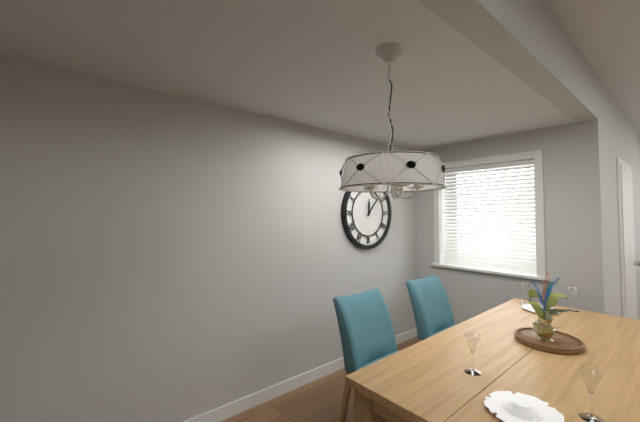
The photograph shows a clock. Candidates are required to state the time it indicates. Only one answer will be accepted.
12:07
